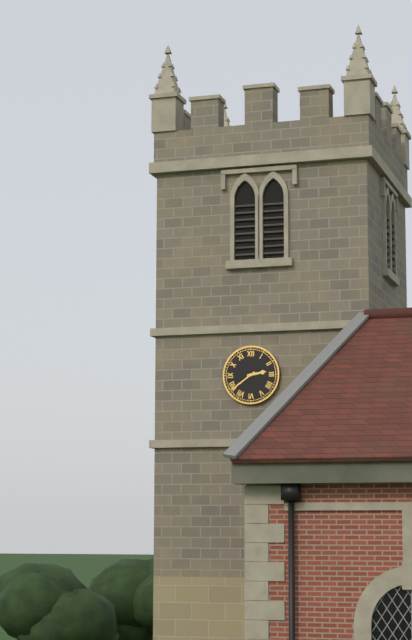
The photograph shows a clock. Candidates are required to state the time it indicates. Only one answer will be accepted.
2:39
